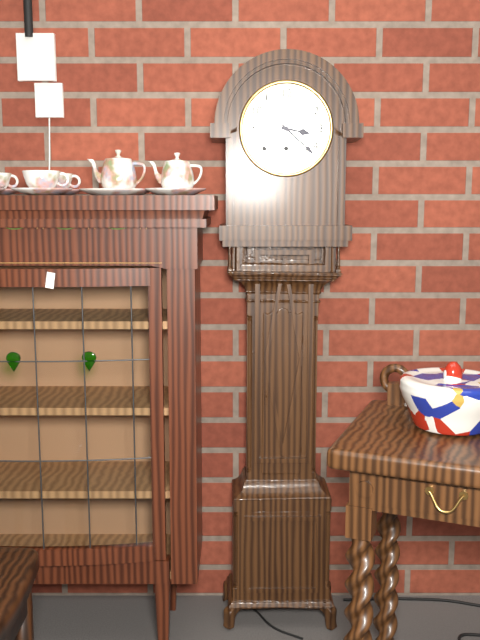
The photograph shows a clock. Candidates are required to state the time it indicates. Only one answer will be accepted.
3:22
